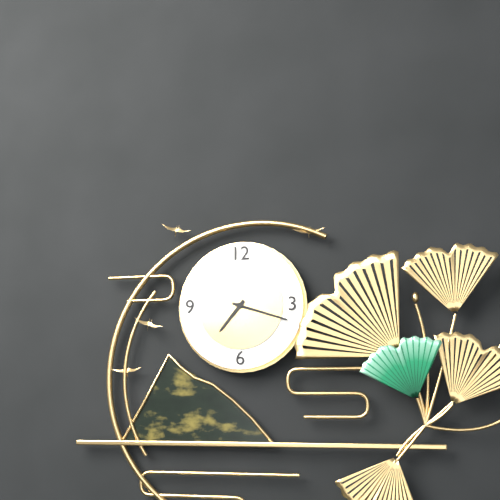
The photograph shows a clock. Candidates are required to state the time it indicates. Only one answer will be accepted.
7:18
